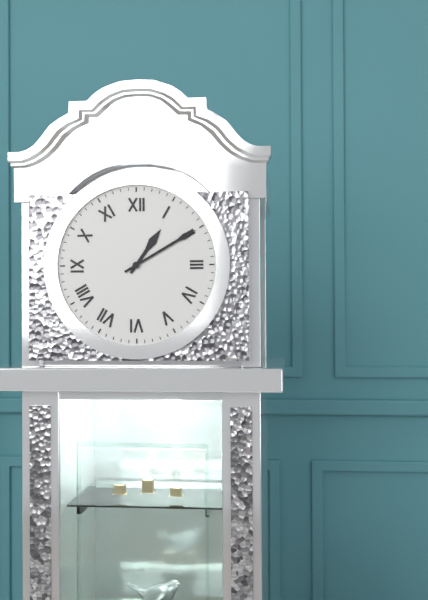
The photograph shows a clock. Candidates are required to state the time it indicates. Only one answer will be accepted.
1:10
